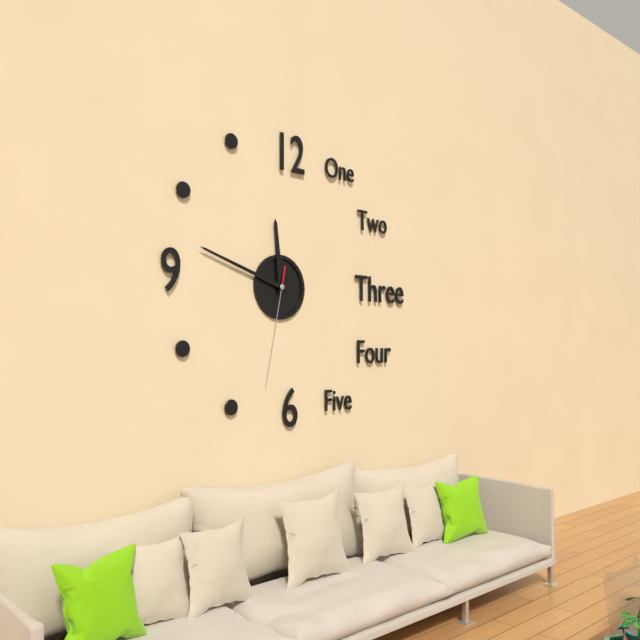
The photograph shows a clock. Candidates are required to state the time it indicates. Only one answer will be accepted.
11:48:32
